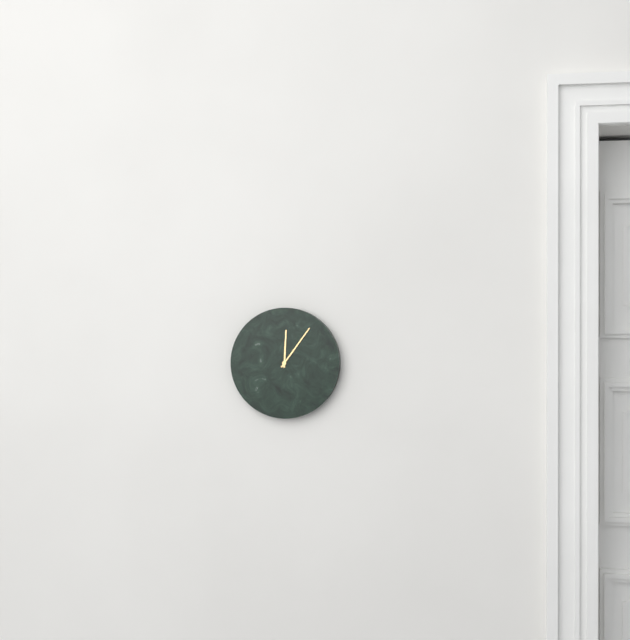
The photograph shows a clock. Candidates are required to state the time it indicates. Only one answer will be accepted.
12:06
